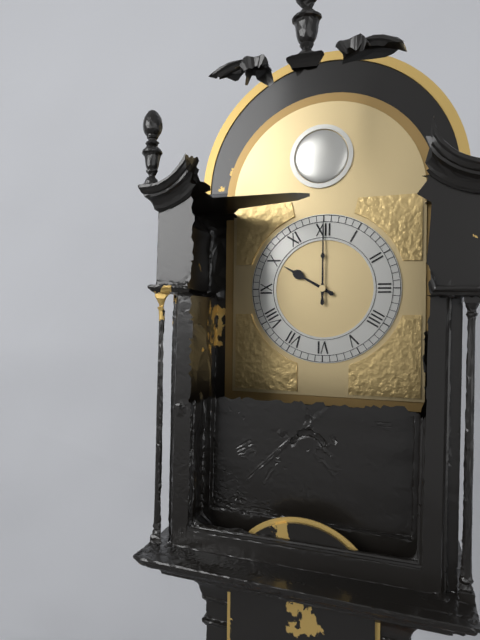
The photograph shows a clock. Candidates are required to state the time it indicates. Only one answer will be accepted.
10:00
